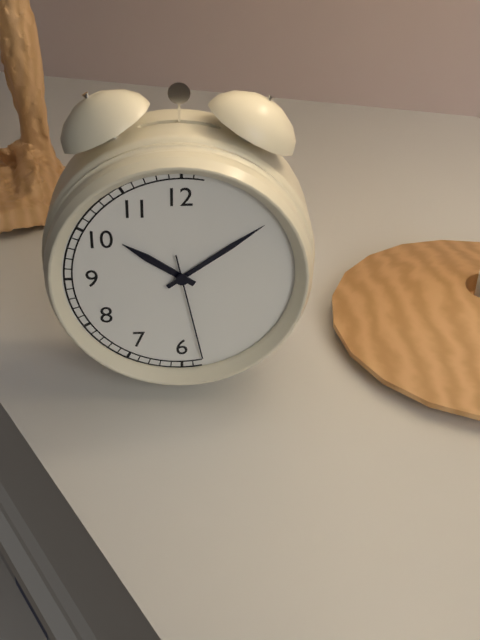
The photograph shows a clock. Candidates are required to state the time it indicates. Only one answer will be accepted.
10:09:28
